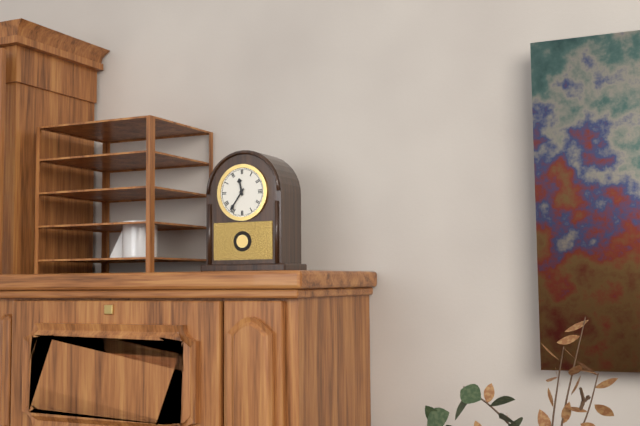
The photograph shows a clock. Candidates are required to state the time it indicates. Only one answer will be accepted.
11:36
